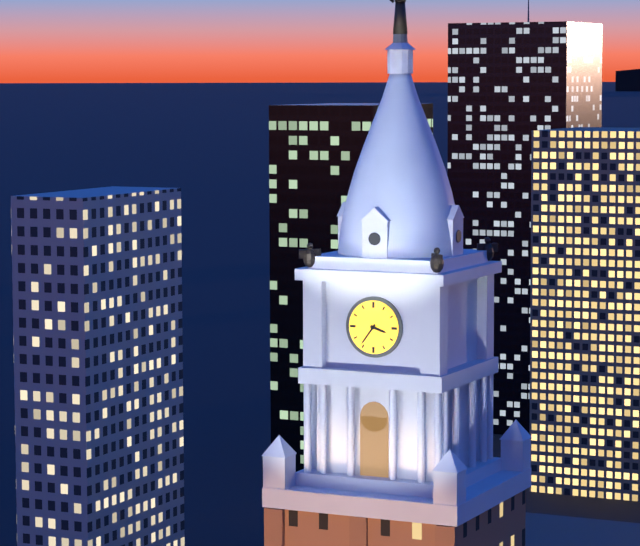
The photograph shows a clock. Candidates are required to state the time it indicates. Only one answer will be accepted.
3:36
